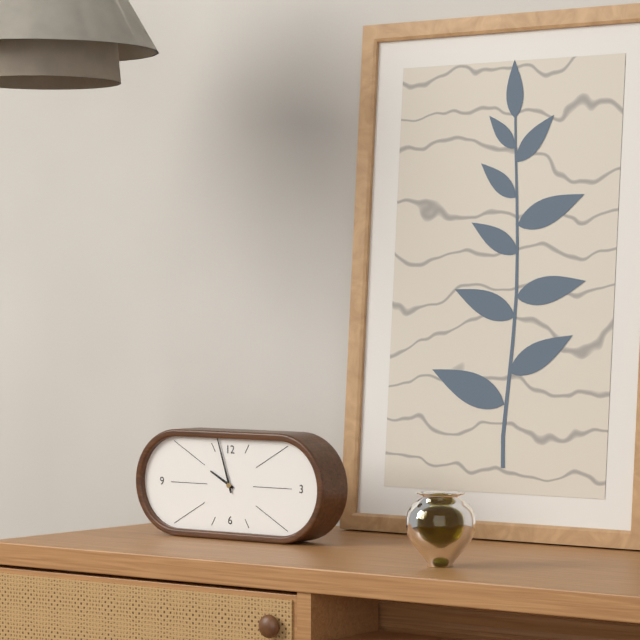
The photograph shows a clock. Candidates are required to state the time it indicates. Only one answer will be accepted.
9:57
